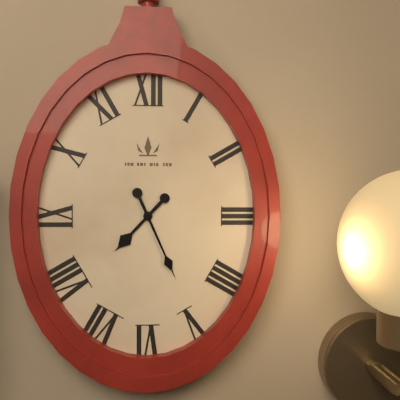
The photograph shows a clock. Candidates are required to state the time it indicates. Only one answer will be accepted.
7:26
